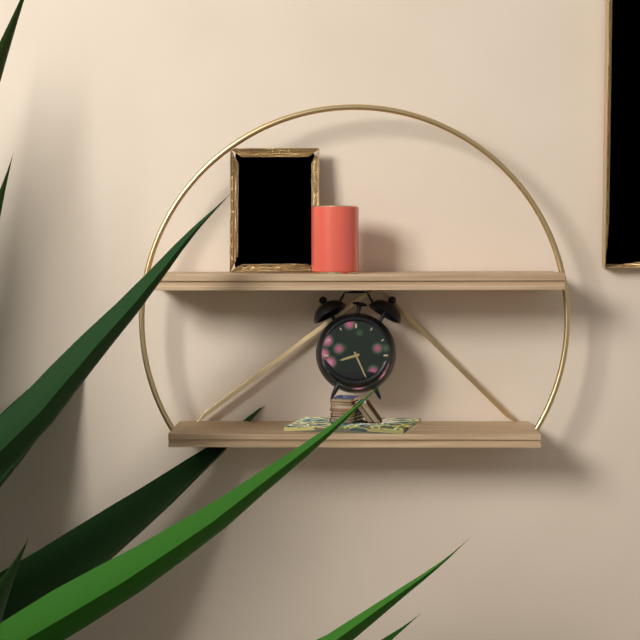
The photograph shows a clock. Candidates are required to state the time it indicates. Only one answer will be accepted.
8:26
